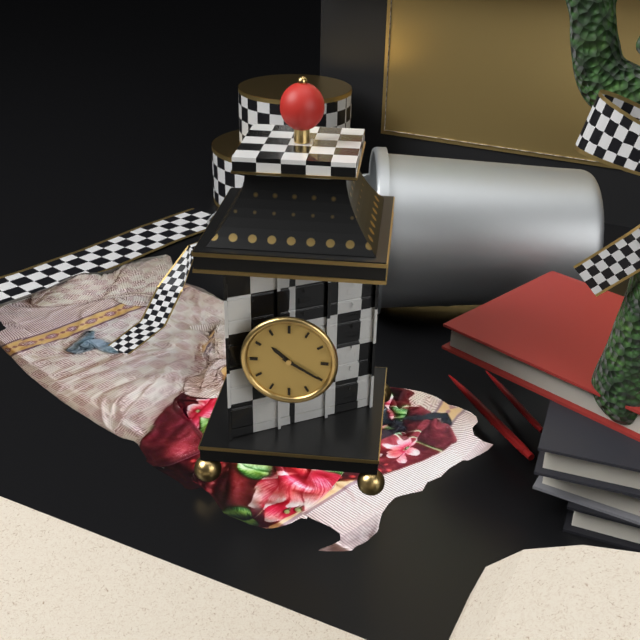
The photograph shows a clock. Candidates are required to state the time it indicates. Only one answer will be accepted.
10:20
